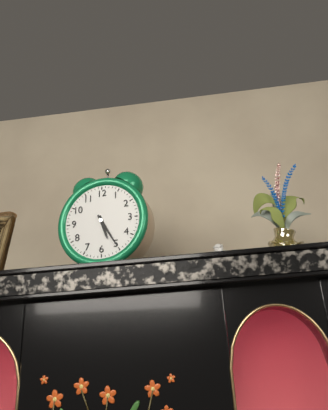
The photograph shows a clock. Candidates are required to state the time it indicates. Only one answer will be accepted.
5:25
